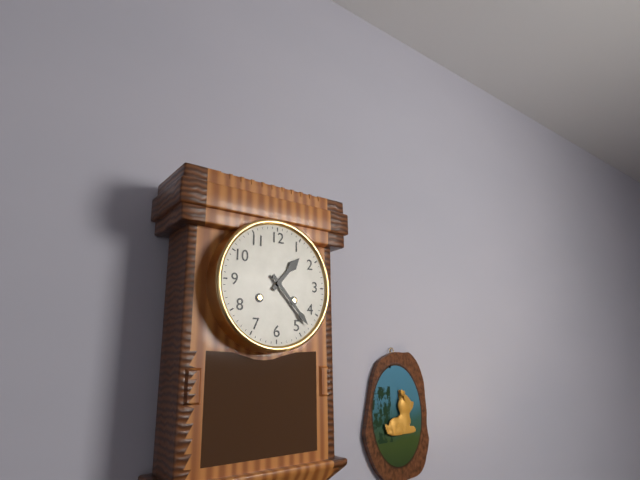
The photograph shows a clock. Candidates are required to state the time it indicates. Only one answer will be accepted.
1:23
